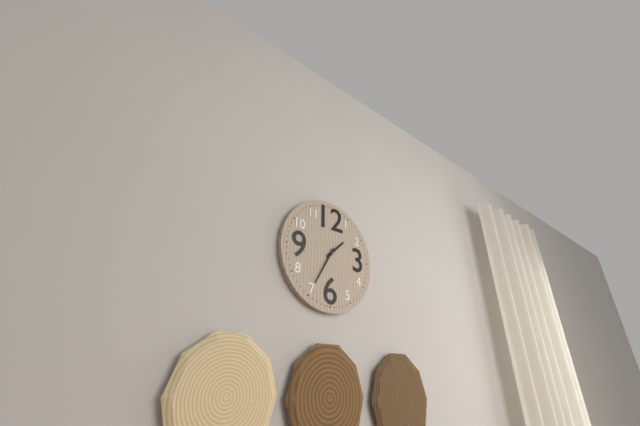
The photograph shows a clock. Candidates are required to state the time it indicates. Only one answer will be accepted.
1:35
